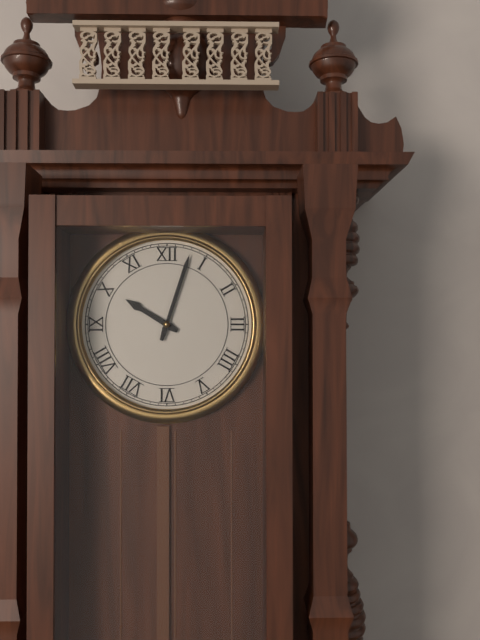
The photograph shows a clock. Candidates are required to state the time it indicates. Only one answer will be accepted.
10:03
